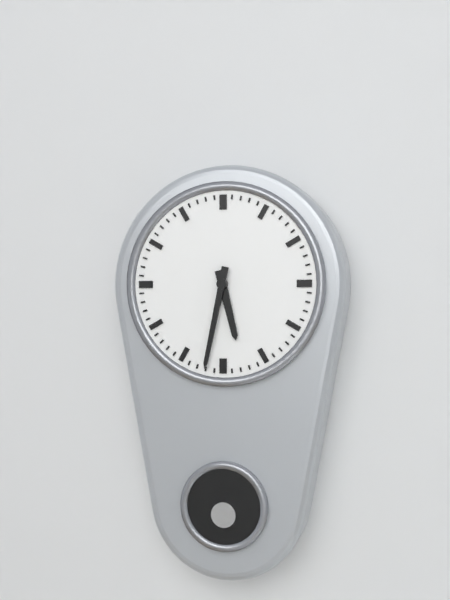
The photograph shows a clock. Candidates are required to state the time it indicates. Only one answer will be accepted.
5:32
